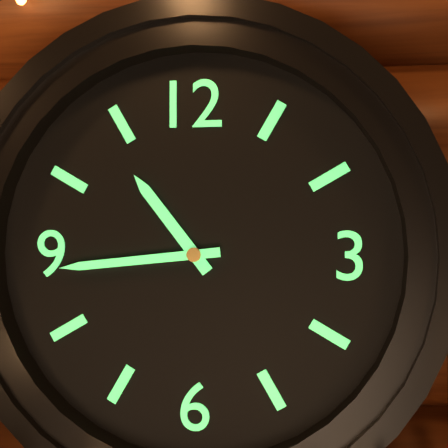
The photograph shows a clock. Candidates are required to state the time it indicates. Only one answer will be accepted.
10:44
